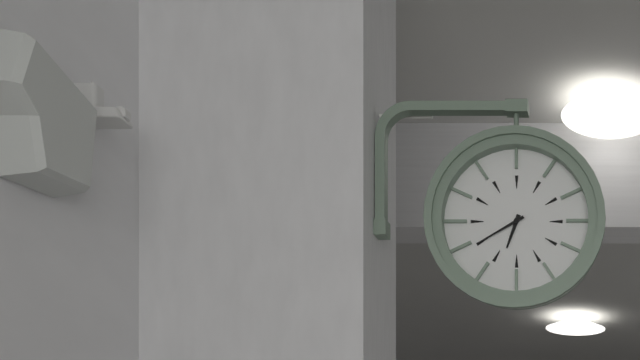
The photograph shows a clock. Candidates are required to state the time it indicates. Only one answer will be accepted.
6:40
